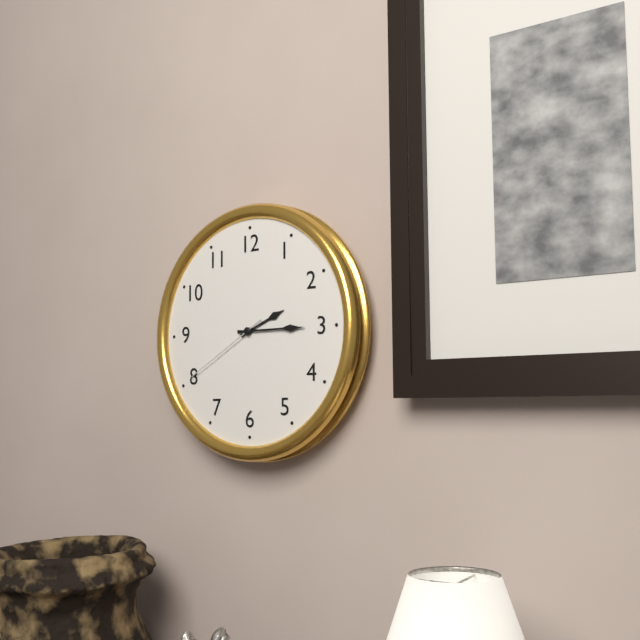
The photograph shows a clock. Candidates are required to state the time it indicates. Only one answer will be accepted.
2:15:40
